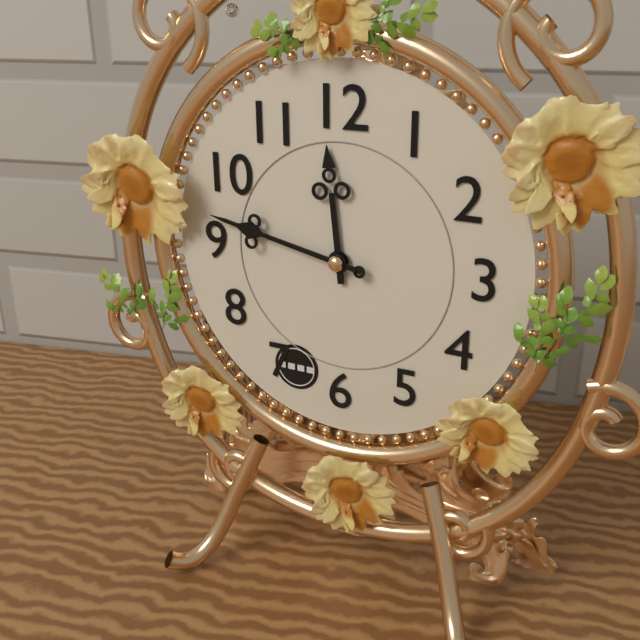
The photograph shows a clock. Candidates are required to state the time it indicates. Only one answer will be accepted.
11:47
